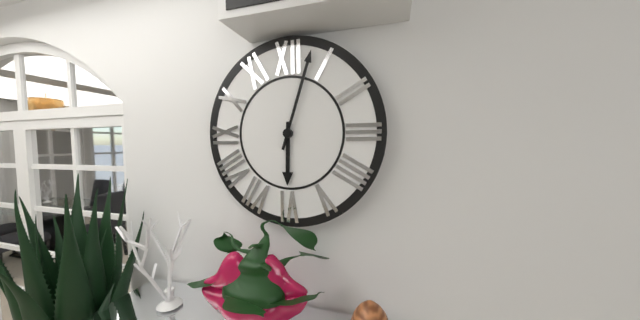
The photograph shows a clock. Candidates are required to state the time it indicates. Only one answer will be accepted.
6:03
